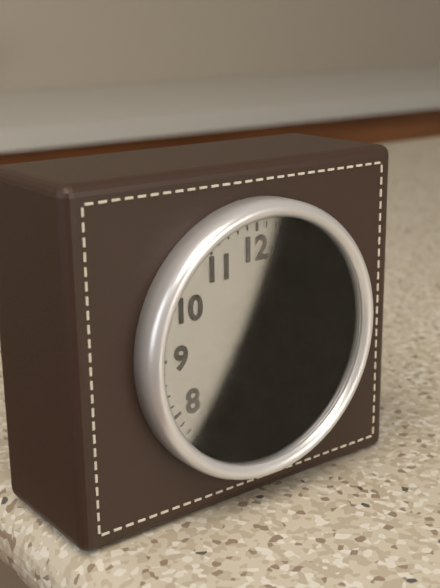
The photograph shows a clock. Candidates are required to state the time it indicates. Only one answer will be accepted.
4:32
